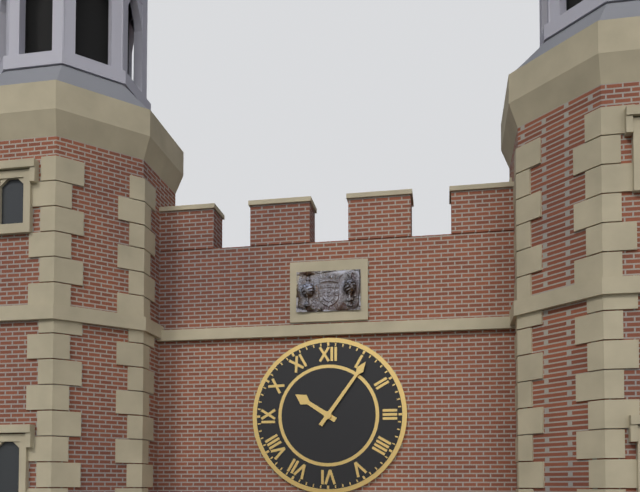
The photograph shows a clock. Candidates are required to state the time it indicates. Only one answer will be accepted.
10:06
